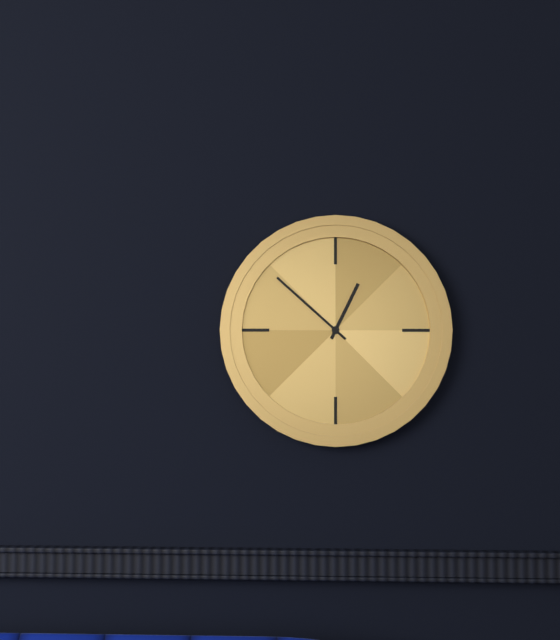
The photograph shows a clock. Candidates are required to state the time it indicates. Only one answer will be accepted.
12:52
